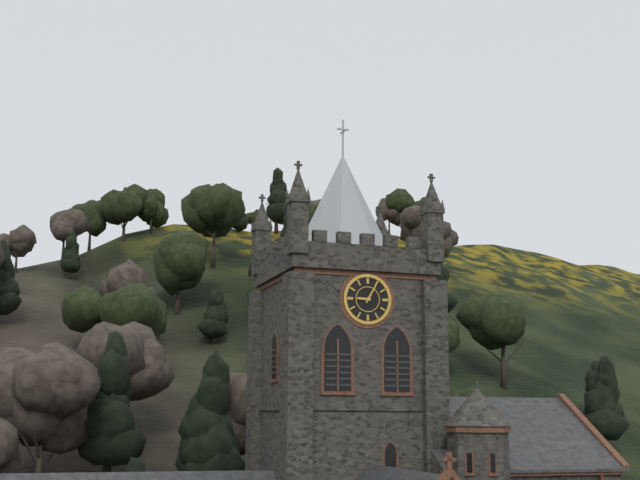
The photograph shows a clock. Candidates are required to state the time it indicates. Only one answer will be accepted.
9:05
